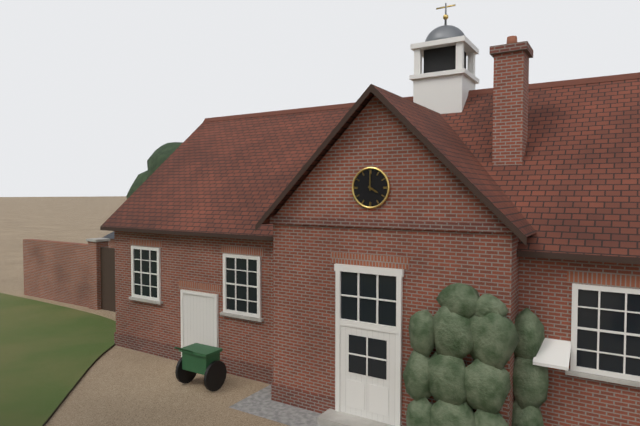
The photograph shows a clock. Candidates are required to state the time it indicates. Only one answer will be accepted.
4:00
